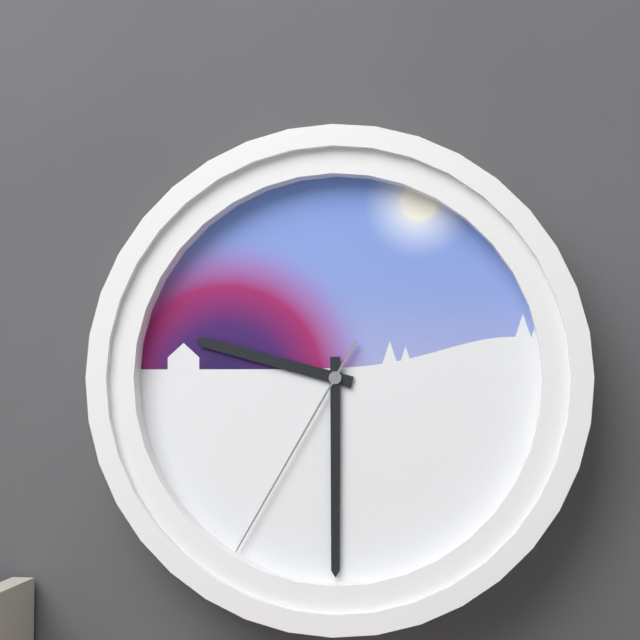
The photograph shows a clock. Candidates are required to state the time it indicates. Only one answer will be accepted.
9:30:35
